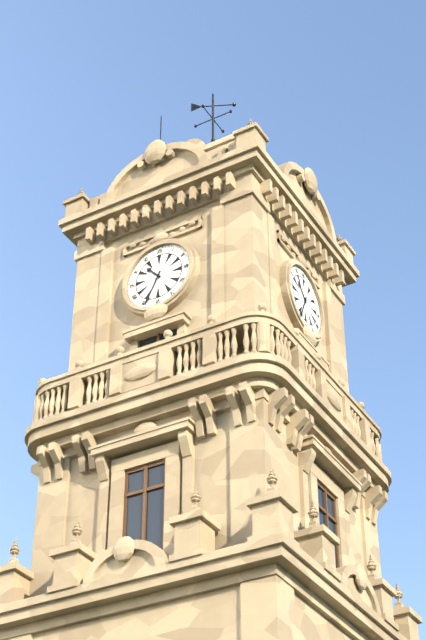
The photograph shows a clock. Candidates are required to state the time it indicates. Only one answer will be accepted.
10:34
